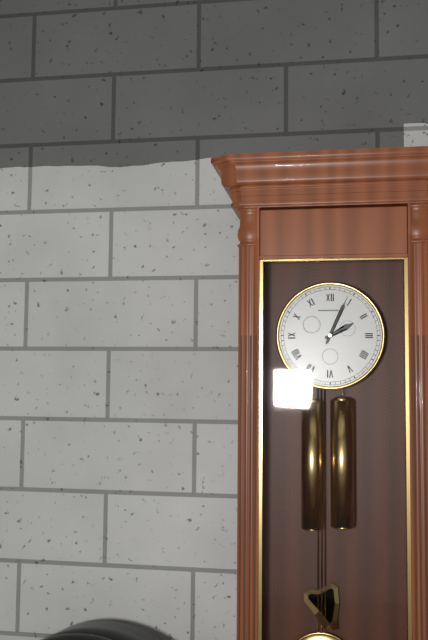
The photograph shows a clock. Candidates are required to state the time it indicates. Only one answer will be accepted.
2:04
